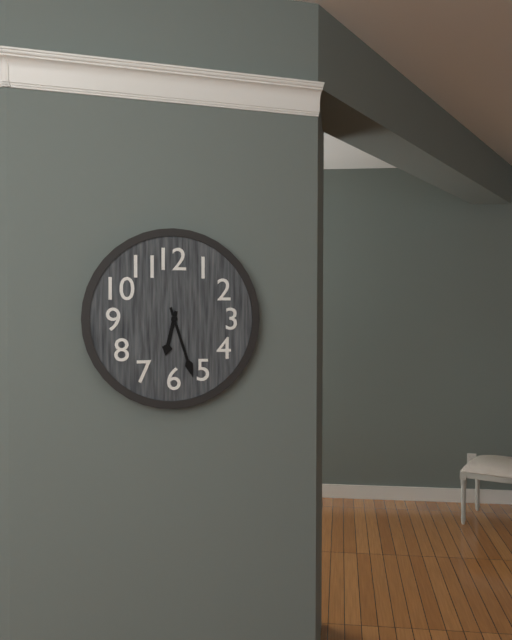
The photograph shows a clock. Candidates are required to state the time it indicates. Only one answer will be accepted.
6:27
